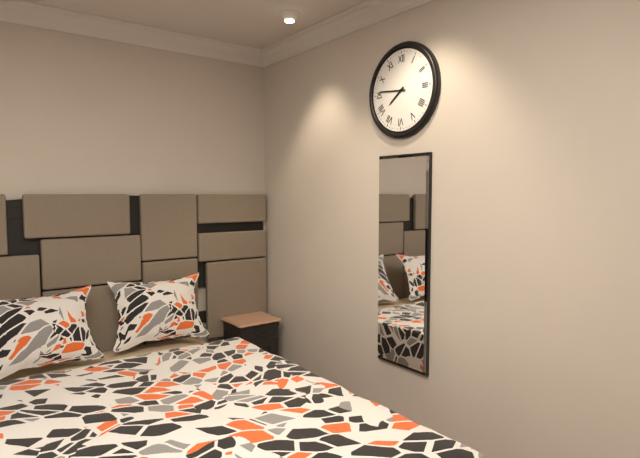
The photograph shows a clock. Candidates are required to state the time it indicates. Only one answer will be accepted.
7:46
